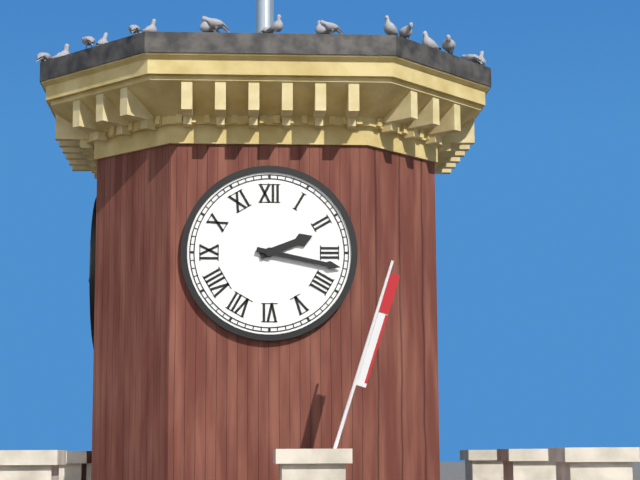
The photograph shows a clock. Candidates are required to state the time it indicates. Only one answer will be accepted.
2:17
